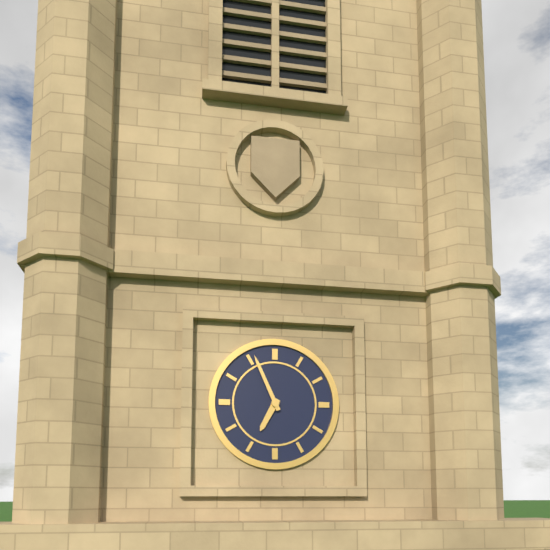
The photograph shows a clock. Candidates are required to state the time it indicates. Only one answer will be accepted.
6:56
